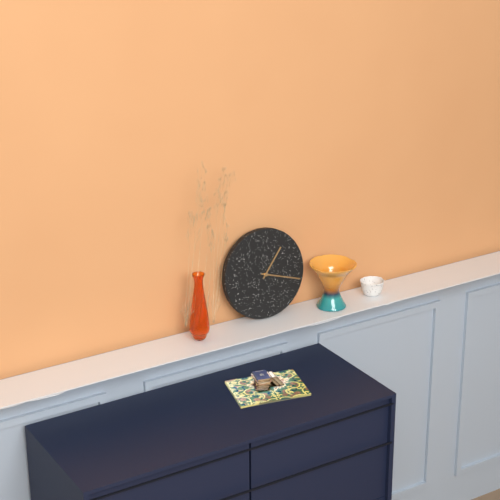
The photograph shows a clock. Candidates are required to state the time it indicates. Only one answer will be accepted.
1:18
